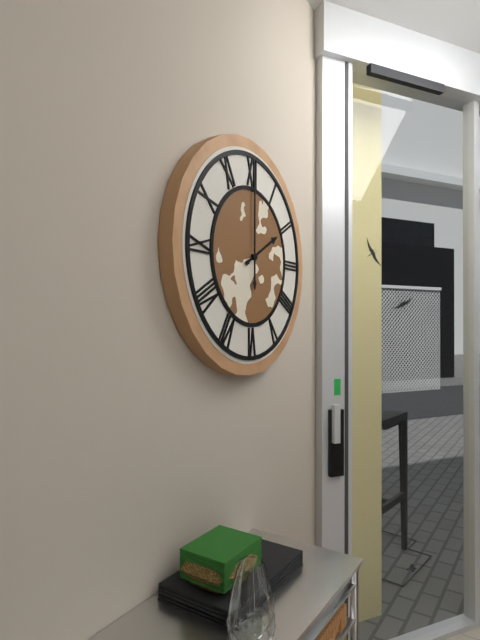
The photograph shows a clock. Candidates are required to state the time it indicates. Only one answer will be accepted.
2:00
